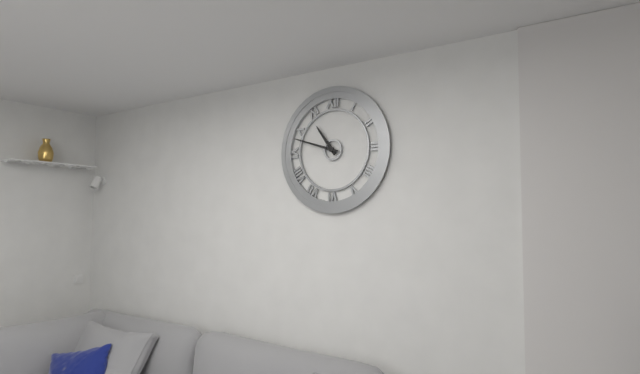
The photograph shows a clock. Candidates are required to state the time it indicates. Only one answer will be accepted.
10:48
